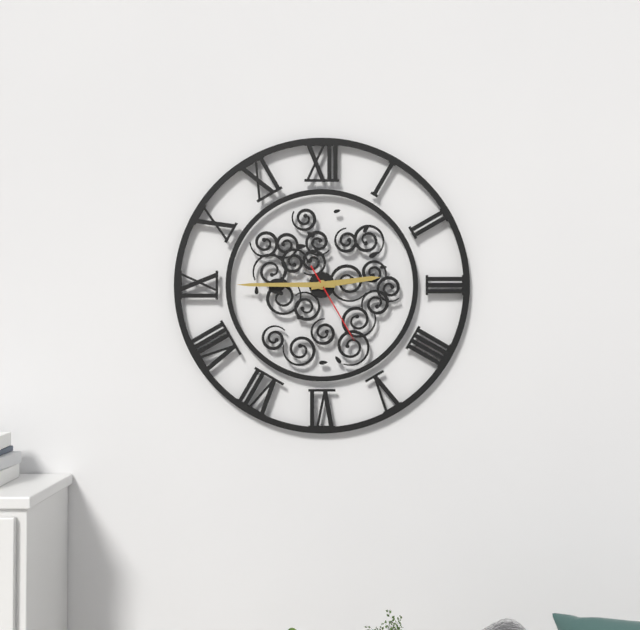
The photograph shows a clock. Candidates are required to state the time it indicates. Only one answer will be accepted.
2:45:25
